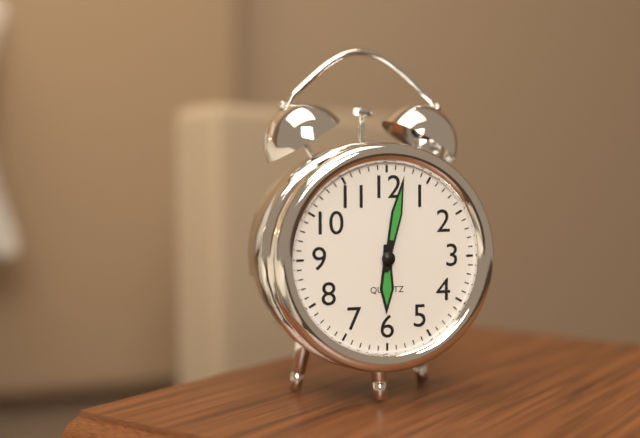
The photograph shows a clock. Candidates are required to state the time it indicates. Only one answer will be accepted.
6:02
